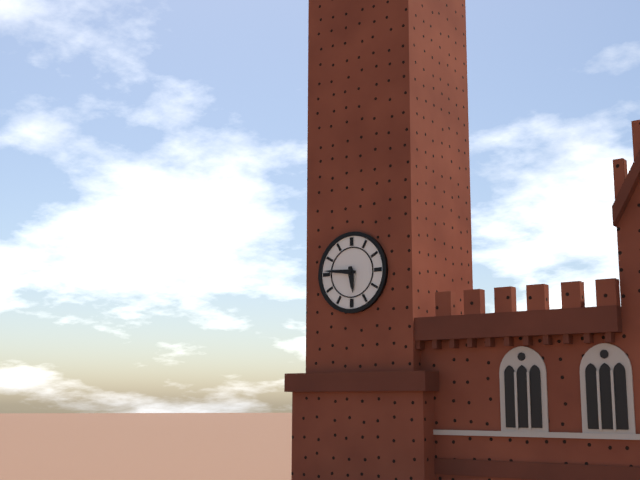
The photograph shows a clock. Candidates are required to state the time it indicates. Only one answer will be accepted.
5:46
